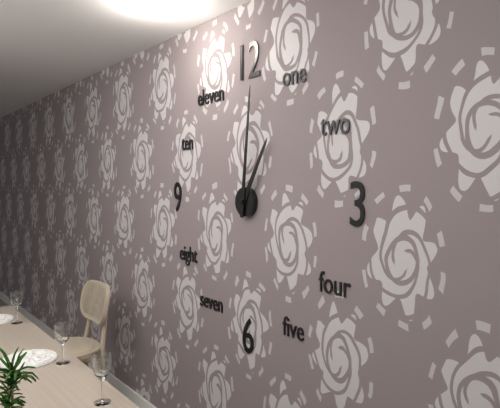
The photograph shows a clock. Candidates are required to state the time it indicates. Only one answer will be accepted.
1:01
